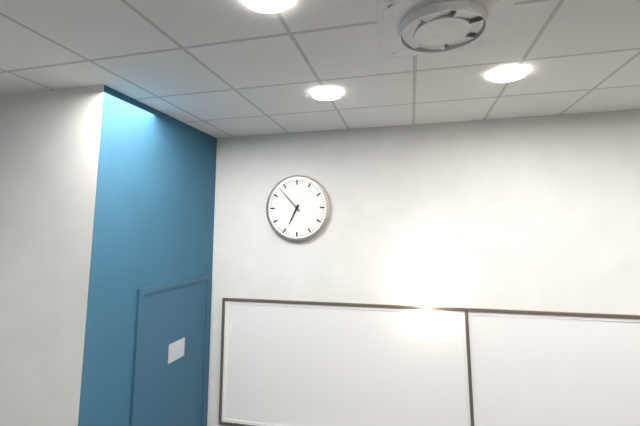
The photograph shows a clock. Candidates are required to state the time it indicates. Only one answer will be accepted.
6:53
